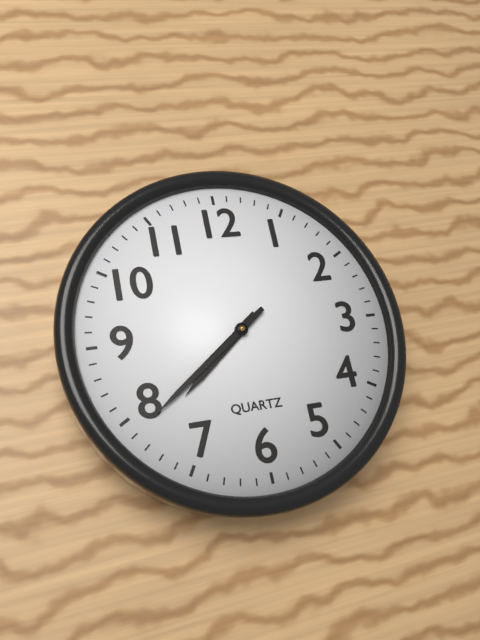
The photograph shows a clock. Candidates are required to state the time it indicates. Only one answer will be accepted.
7:39
